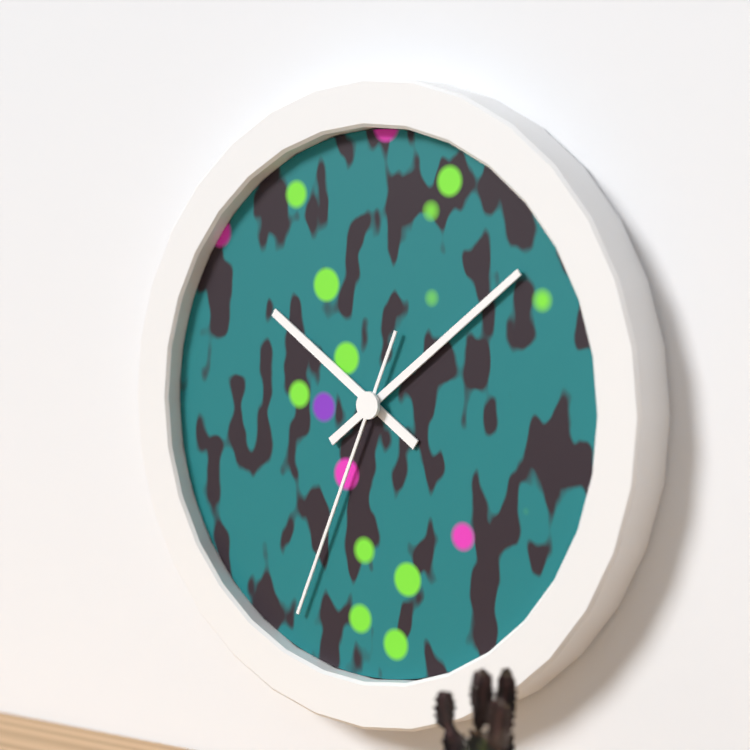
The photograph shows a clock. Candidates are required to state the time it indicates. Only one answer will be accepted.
10:09:34
